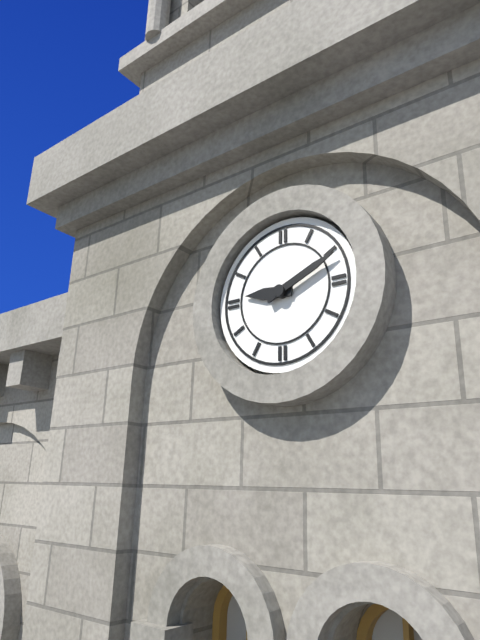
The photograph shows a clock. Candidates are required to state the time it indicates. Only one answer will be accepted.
9:11
